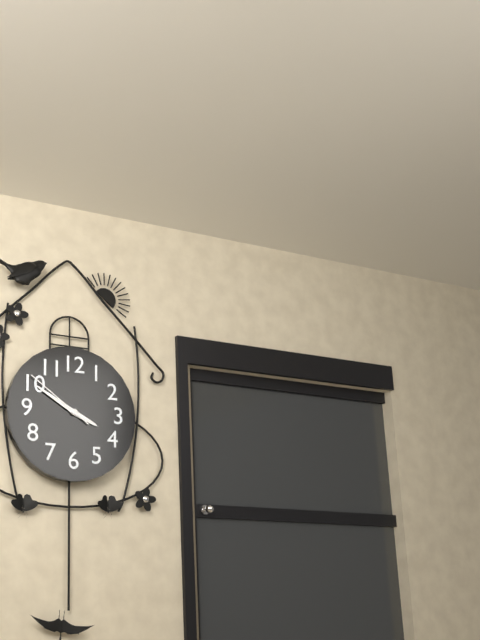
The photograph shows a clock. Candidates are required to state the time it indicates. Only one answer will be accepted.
3:50:51
